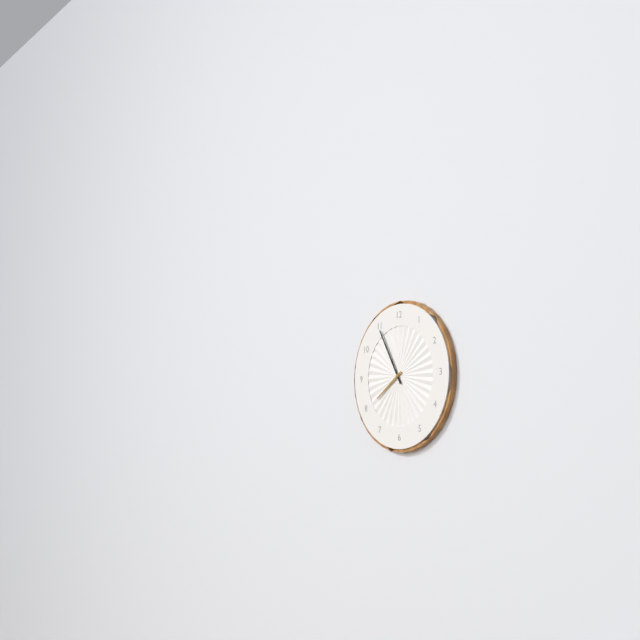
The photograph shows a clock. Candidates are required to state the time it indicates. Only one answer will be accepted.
7:55
